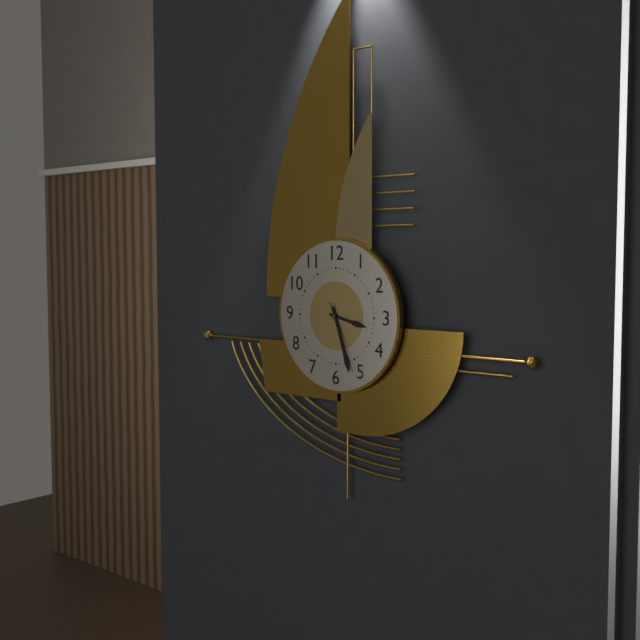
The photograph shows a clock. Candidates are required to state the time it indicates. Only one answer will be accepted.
3:27:26
